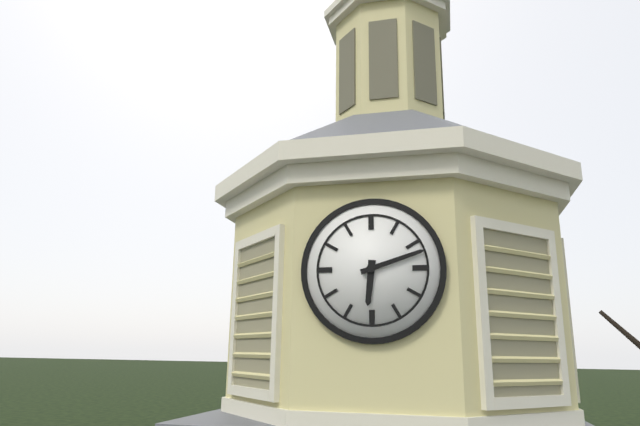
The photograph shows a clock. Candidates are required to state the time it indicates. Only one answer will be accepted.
6:12
